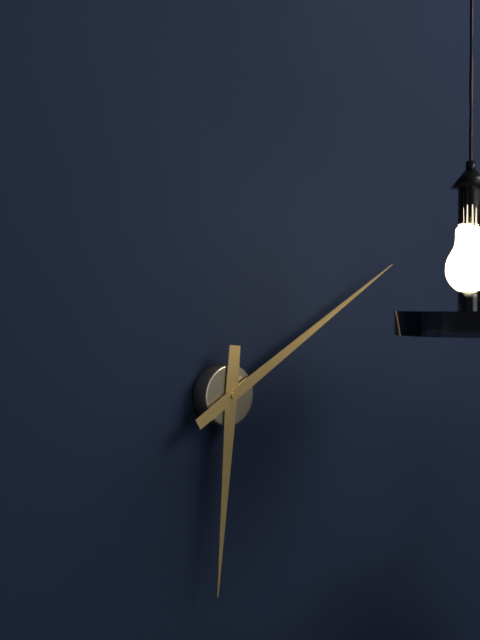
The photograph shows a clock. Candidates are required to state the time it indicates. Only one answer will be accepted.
6:10
